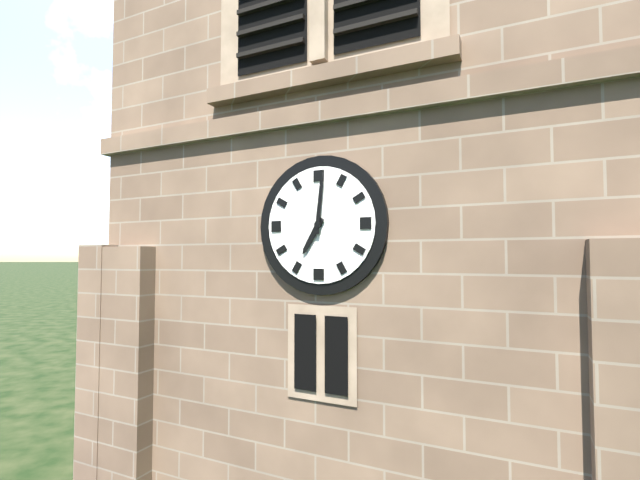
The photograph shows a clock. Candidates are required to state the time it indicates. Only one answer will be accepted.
7:01
